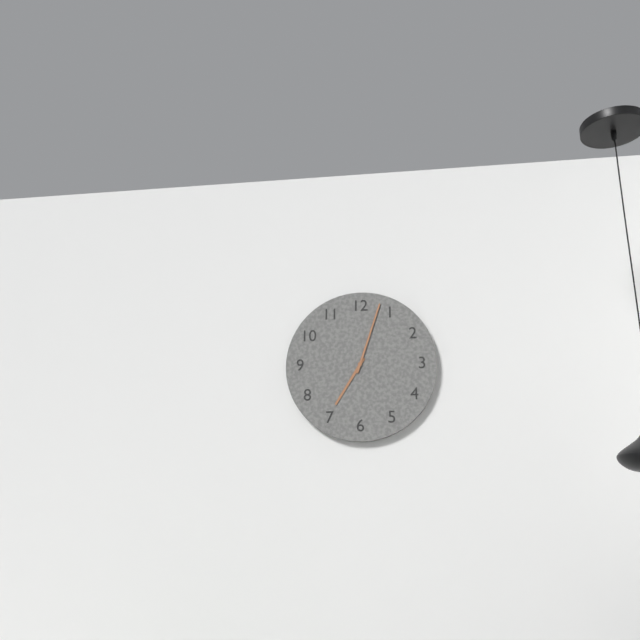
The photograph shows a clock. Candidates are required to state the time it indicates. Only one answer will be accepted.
7:03
